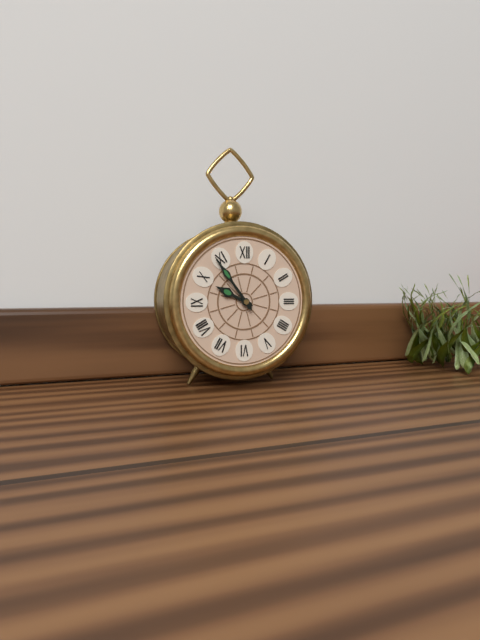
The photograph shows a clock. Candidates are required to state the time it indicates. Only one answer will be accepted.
9:54
